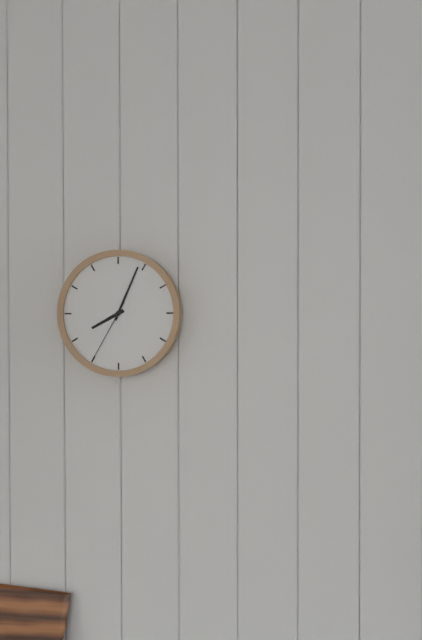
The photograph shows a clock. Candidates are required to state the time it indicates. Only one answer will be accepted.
8:04:35
